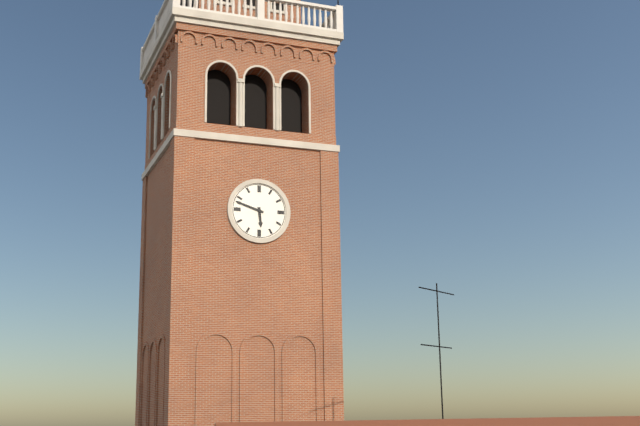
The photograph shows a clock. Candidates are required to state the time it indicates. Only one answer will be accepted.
5:48
